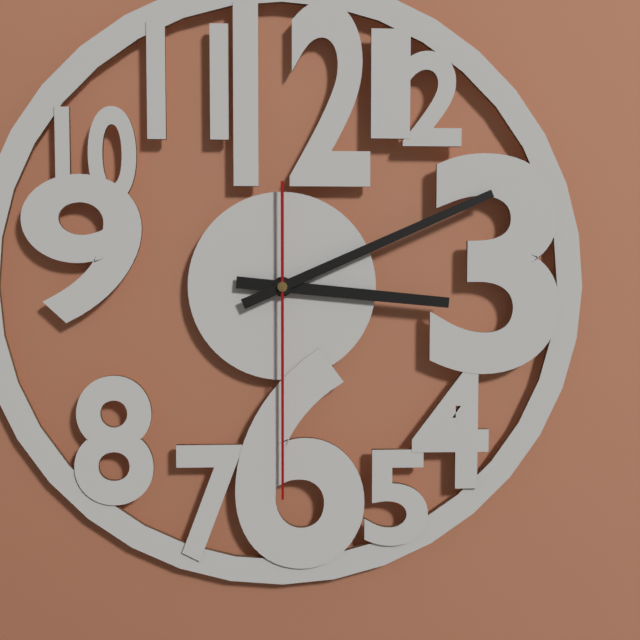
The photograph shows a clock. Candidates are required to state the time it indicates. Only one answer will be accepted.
3:11:30
